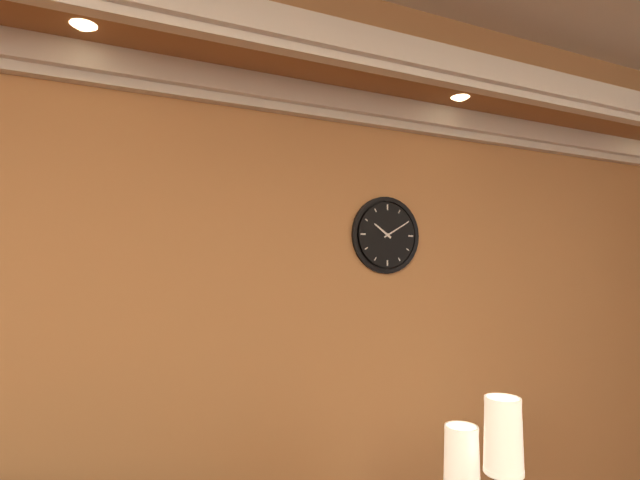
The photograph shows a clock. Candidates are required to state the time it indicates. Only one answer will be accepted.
10:10
